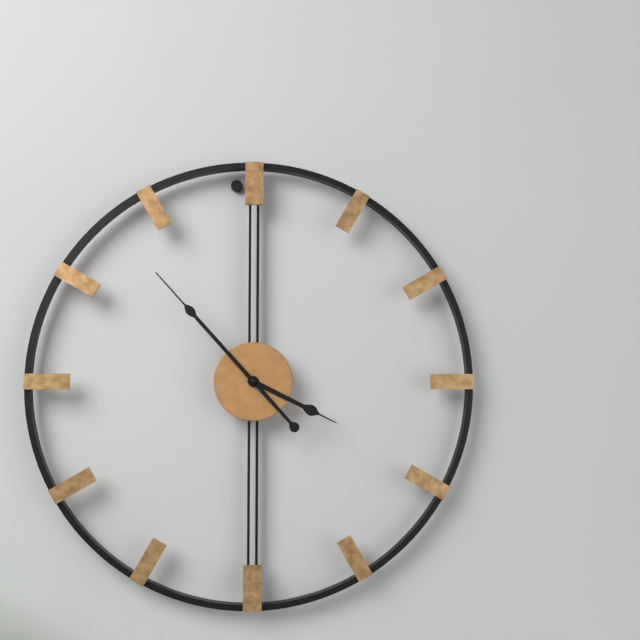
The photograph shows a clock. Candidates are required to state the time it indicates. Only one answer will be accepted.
3:53
